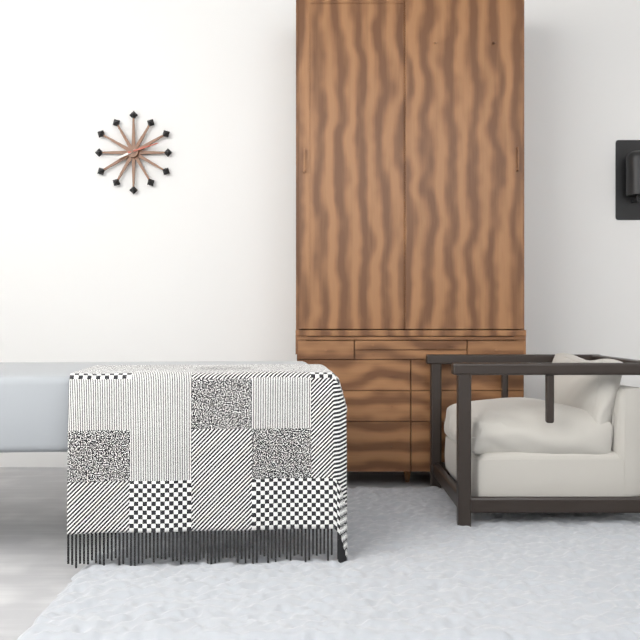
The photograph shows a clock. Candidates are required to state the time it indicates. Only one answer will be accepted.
8:12
